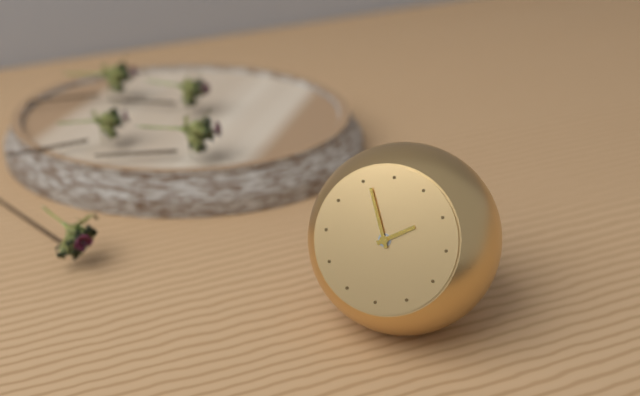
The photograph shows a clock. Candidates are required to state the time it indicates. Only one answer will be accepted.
1:56
